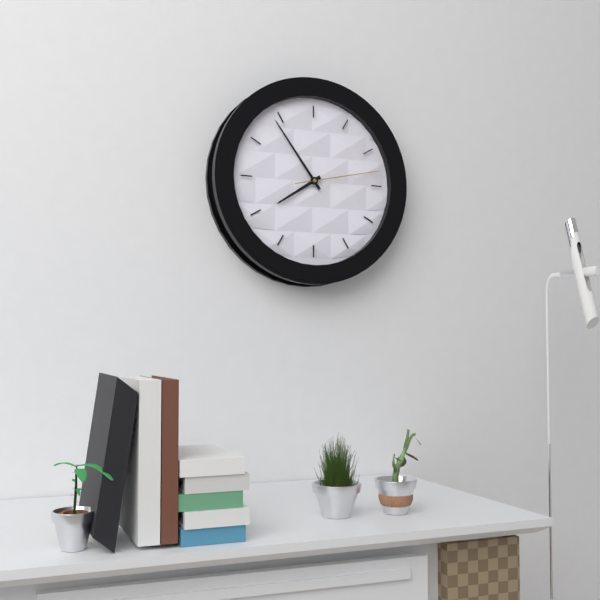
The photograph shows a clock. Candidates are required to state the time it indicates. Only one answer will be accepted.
7:54:13
